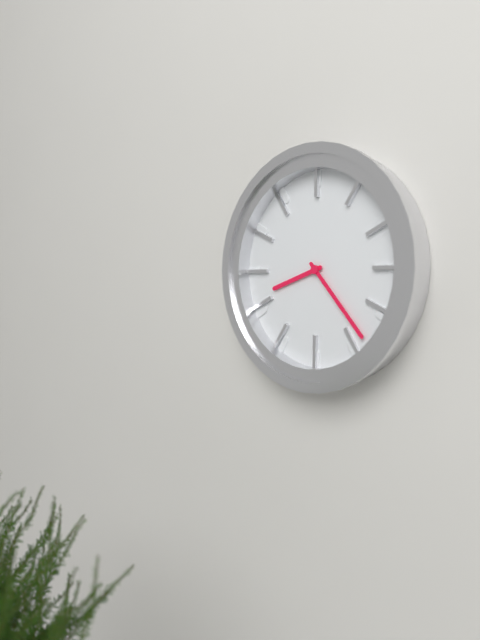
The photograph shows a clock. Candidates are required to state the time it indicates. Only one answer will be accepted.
8:23
